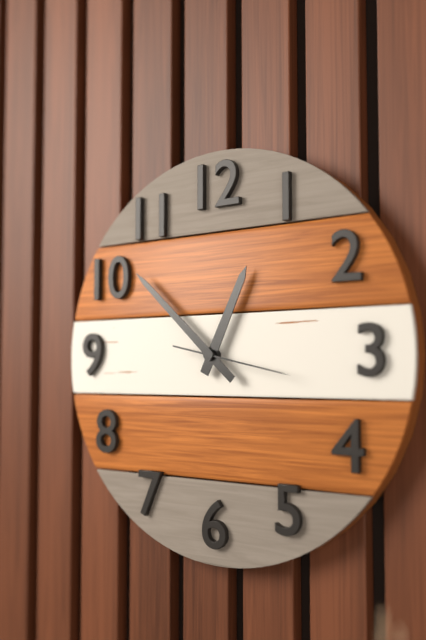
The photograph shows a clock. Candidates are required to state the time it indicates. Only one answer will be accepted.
12:52:17
